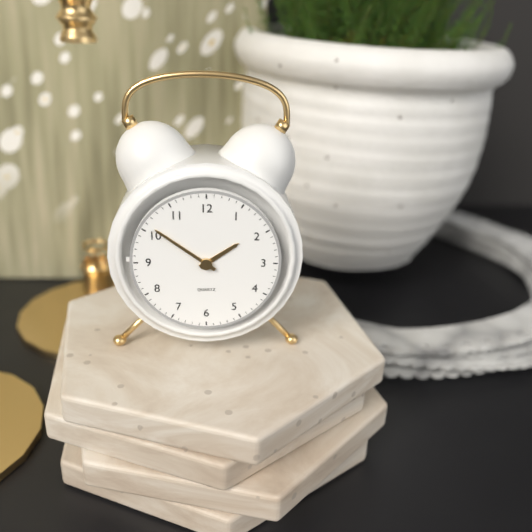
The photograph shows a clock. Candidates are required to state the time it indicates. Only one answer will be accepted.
1:51
